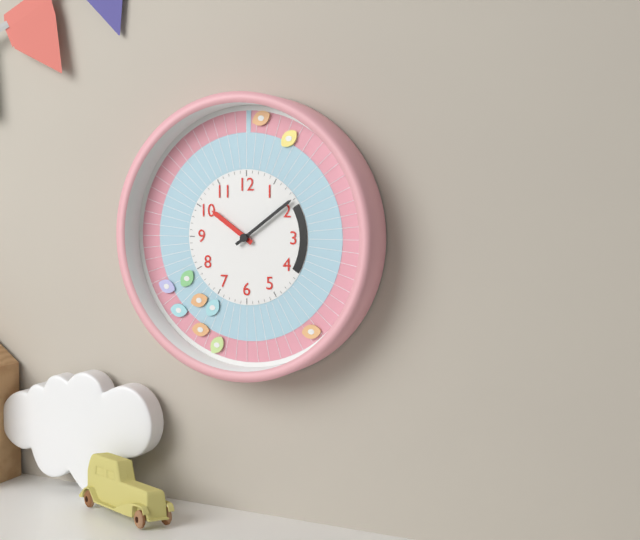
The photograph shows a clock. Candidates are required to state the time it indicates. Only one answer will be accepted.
10:09
